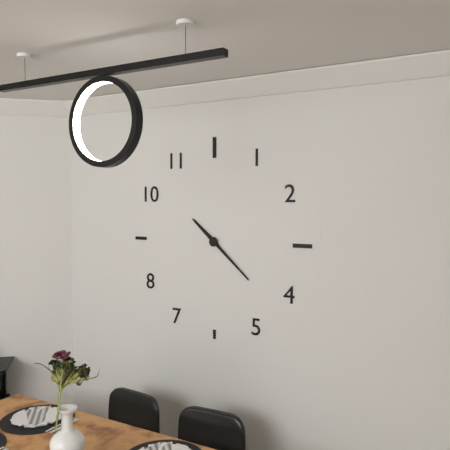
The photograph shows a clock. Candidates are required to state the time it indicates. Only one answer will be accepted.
10:22
